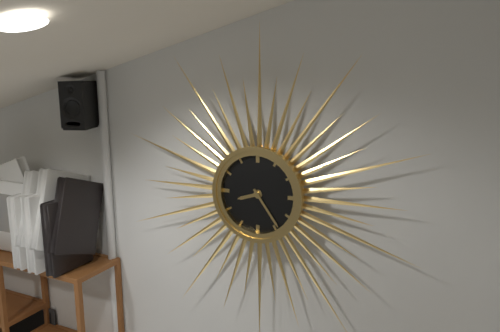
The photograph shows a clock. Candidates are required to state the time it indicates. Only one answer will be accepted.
8:24
